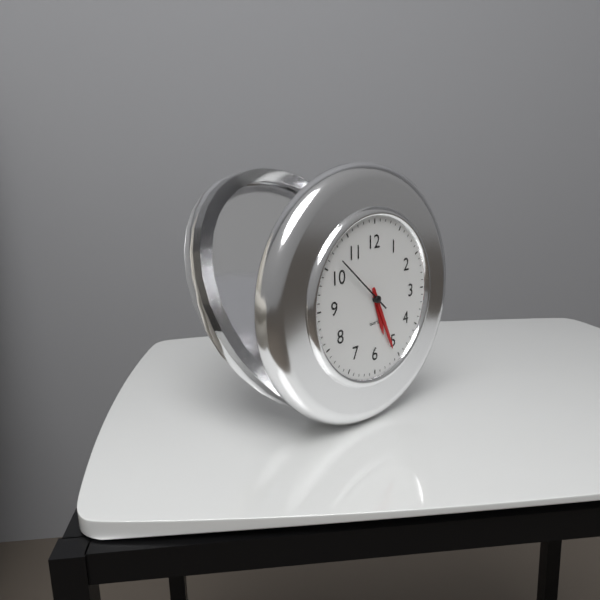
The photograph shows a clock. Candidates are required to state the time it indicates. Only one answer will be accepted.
5:26:52
